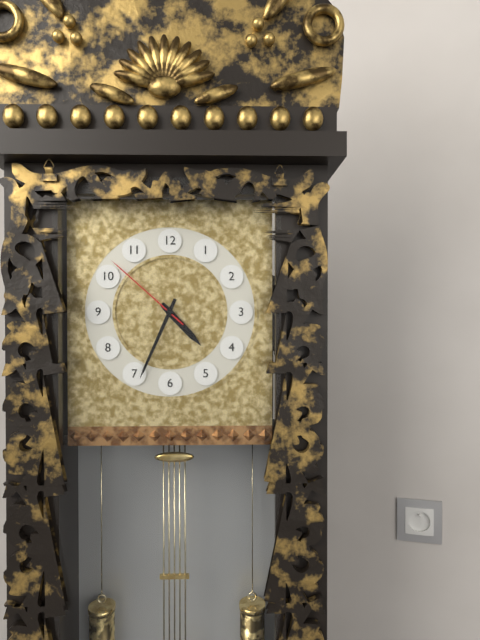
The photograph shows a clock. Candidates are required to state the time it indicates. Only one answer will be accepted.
4:34:52
